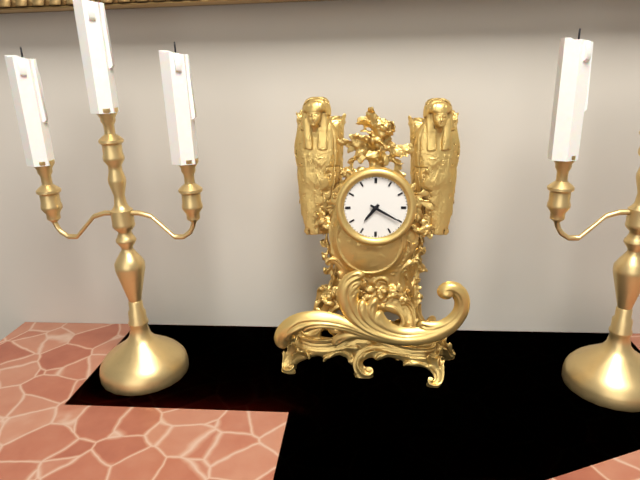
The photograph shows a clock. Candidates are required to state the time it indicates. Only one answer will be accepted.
7:20
